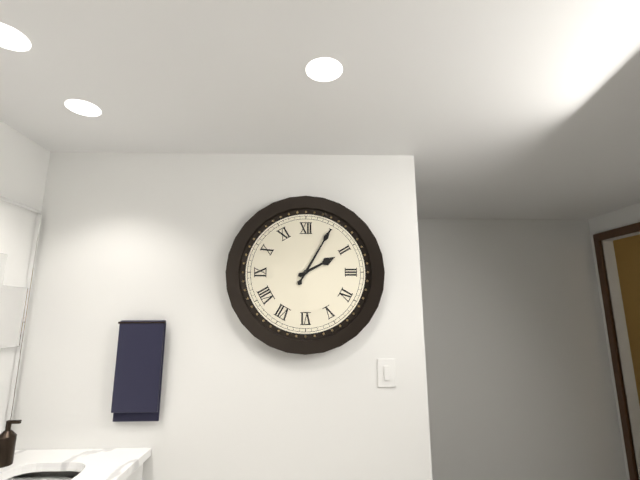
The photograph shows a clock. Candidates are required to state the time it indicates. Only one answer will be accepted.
2:05
